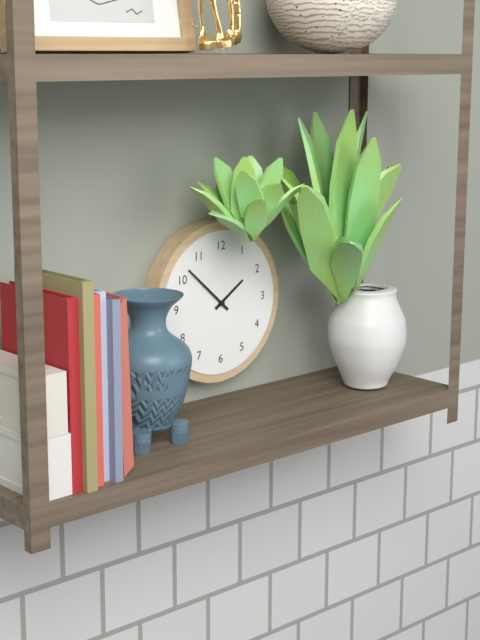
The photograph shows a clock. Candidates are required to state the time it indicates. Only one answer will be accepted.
1:52
